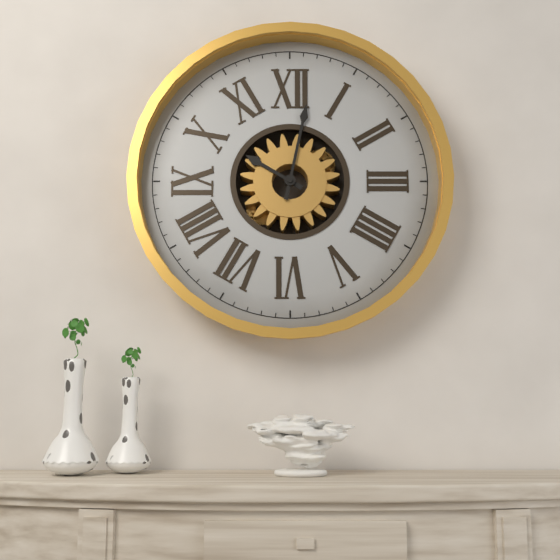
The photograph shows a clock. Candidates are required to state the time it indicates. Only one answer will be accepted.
10:02
